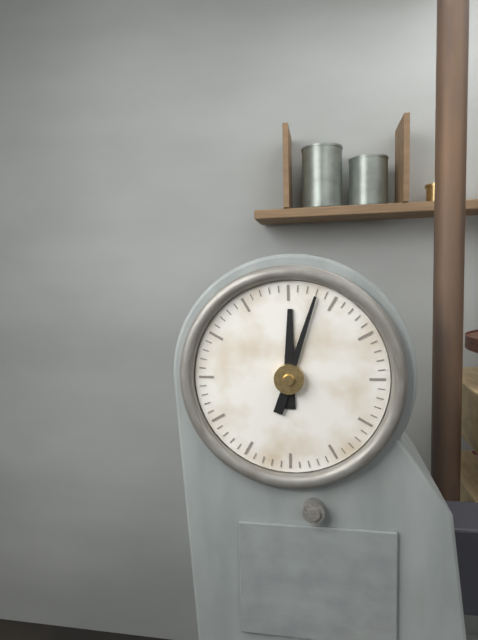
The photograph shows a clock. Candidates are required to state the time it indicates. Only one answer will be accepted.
12:03
